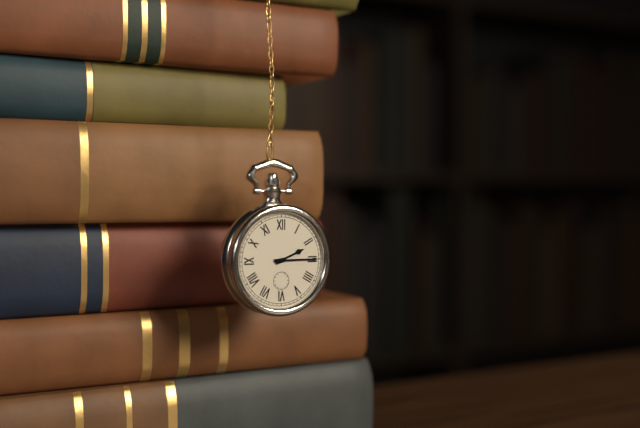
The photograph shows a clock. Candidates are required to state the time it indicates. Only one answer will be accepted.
2:15
